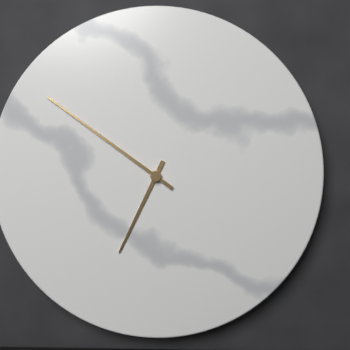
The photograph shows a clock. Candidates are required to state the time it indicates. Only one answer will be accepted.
6:51
